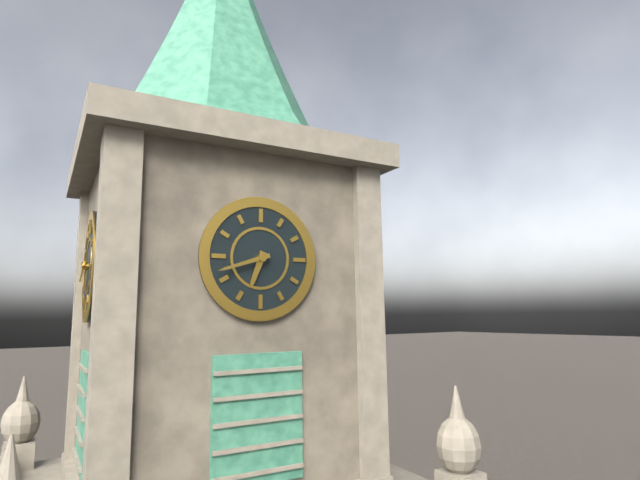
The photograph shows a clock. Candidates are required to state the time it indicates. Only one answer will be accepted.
6:42
